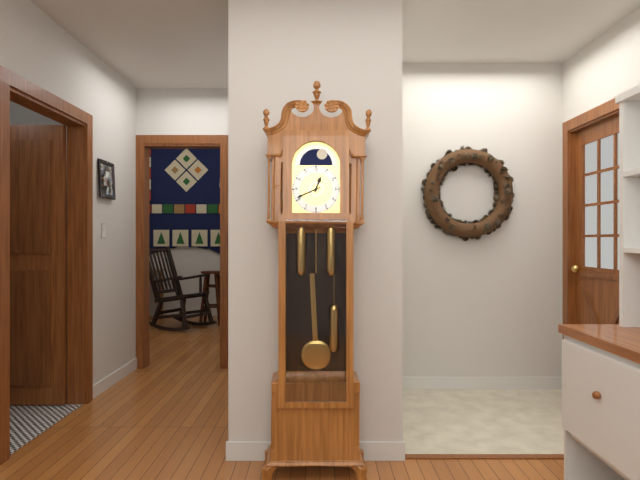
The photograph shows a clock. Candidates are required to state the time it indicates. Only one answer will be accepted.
12:41
